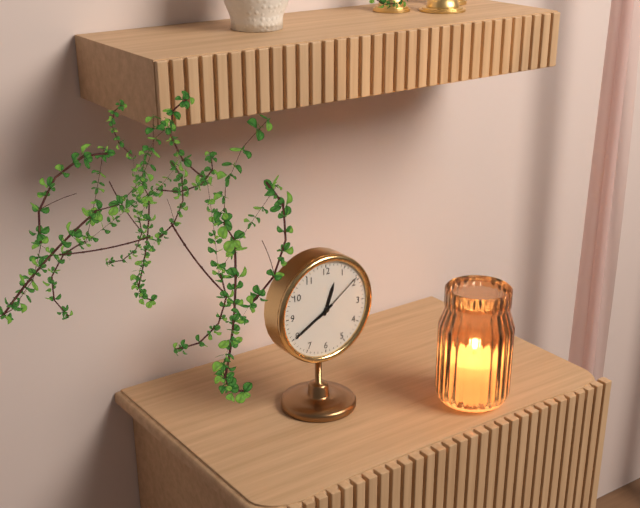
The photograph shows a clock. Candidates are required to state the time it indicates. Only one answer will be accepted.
12:40:09
